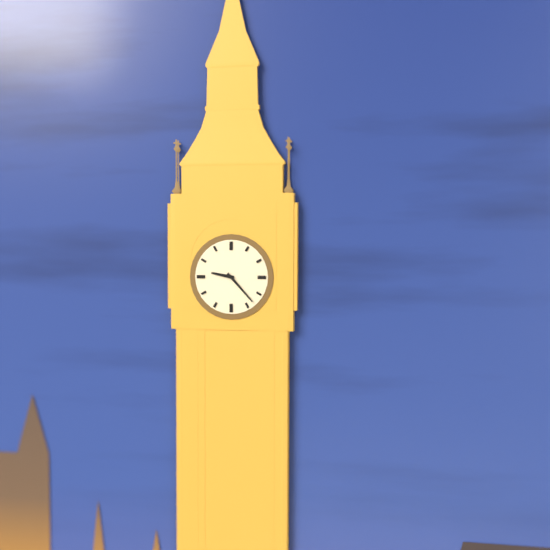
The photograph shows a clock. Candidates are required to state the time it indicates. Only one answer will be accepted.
9:23
